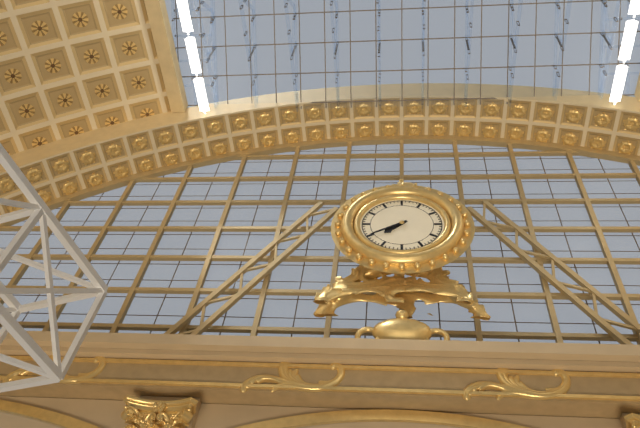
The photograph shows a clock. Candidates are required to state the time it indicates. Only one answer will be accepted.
7:40
